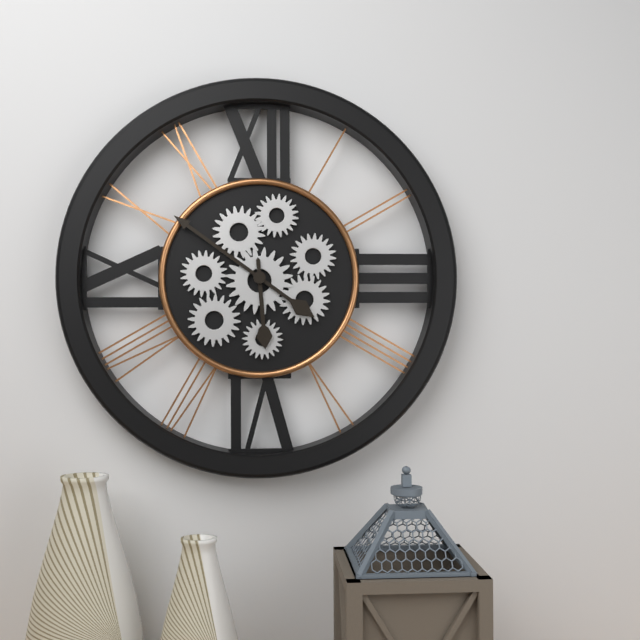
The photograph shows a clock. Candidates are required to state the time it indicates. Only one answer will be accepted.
5:51
